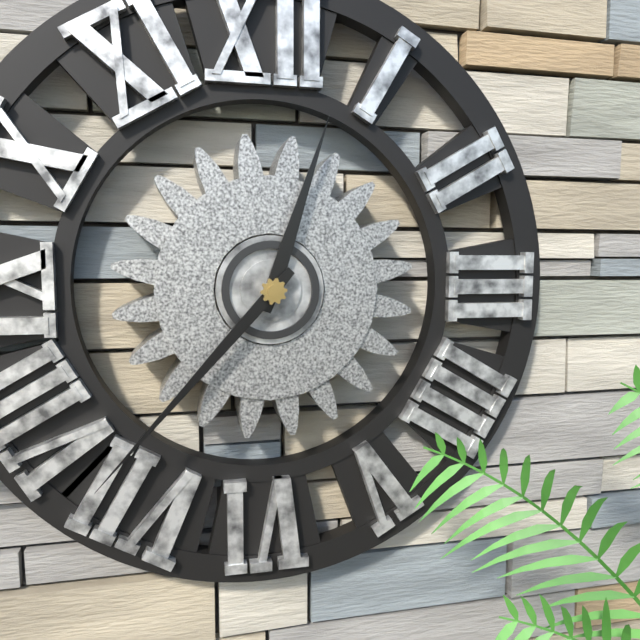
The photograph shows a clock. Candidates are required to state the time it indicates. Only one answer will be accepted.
12:37
